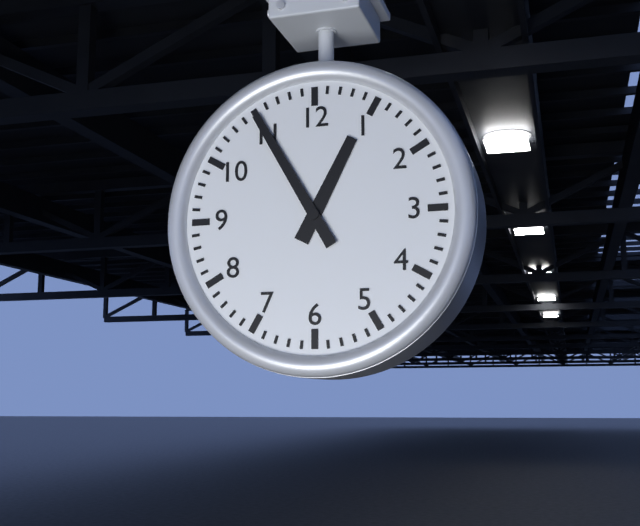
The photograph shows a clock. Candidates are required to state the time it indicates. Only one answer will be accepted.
12:55
